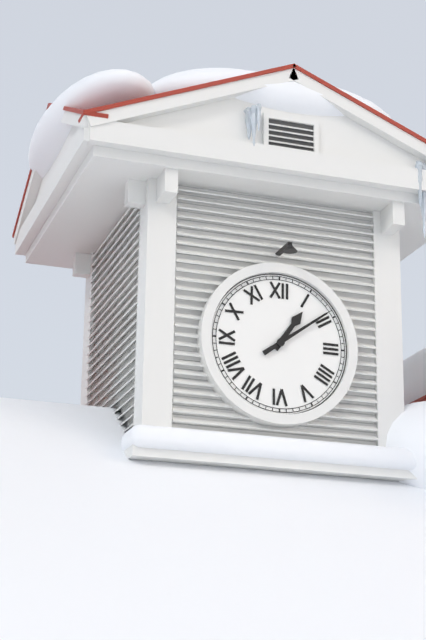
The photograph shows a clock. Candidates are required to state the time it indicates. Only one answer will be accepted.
1:09
